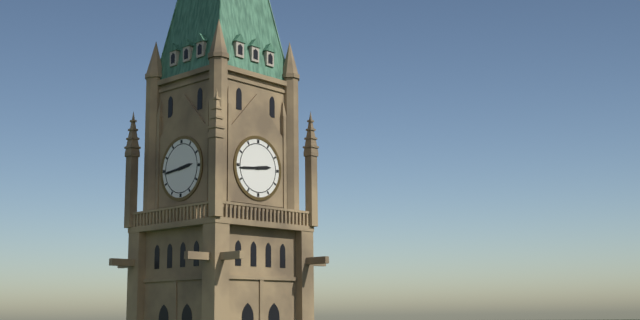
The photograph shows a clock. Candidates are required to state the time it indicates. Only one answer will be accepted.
2:44
